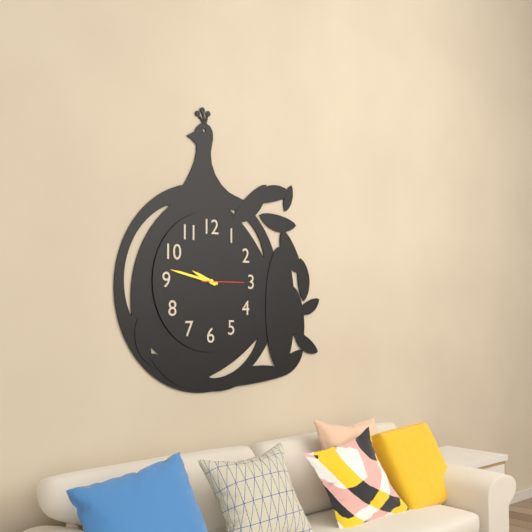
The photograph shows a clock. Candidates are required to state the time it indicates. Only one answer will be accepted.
9:47
